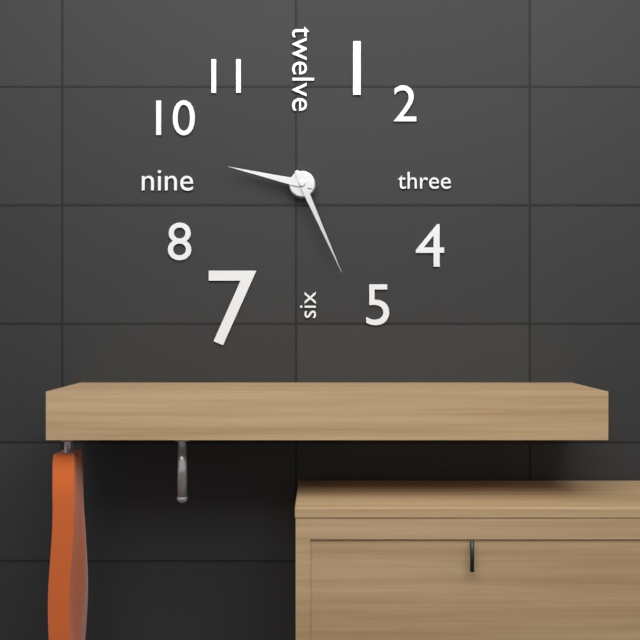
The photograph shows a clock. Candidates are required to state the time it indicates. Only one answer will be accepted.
9:26
